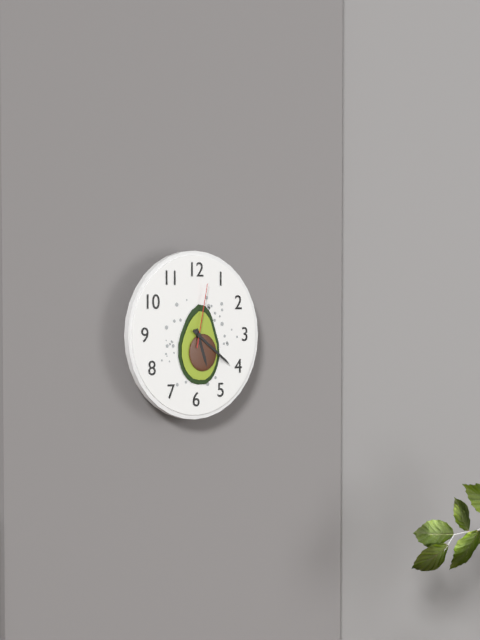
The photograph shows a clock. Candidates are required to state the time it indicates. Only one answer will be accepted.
5:21:02
